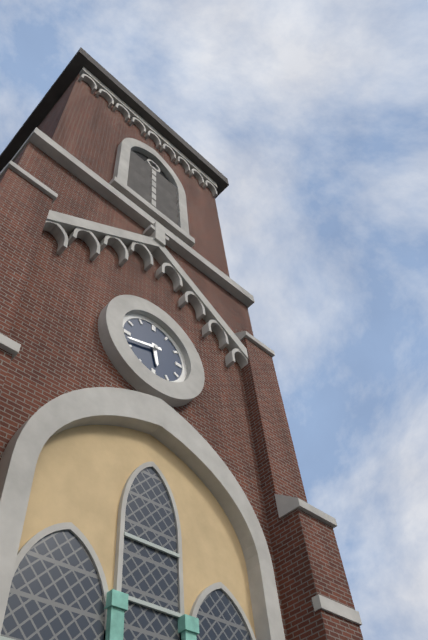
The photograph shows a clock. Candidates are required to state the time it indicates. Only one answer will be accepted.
5:42
